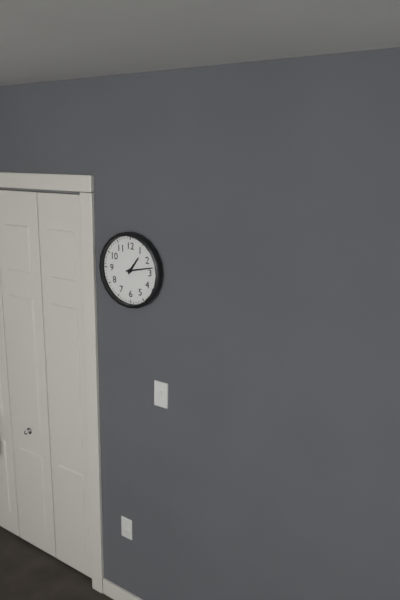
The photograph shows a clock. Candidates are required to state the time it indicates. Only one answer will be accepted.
1:13
